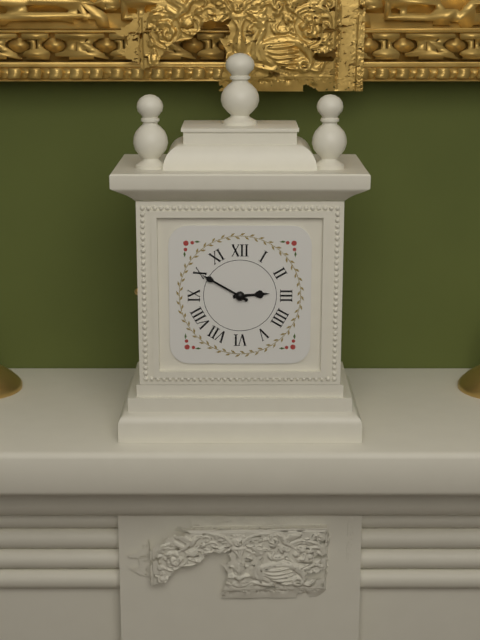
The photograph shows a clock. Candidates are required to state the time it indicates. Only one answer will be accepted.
2:50
